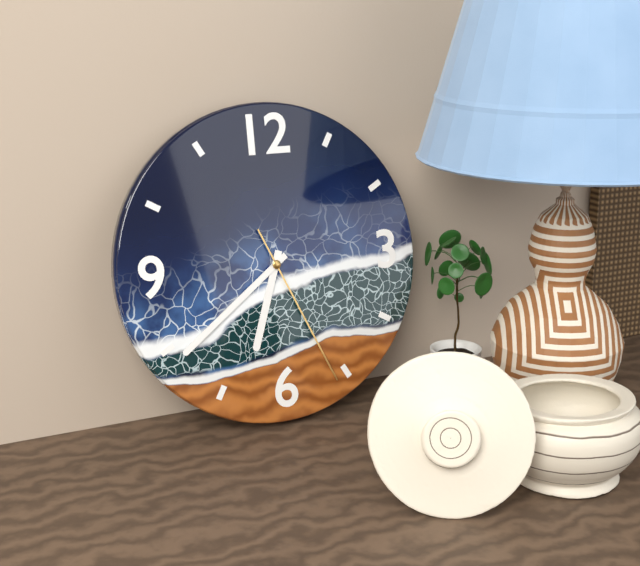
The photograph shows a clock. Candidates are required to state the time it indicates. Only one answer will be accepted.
6:39:26
